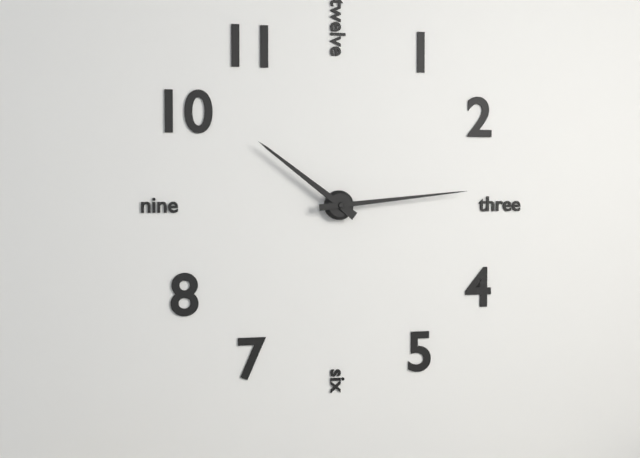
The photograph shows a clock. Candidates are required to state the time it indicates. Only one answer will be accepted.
10:14
